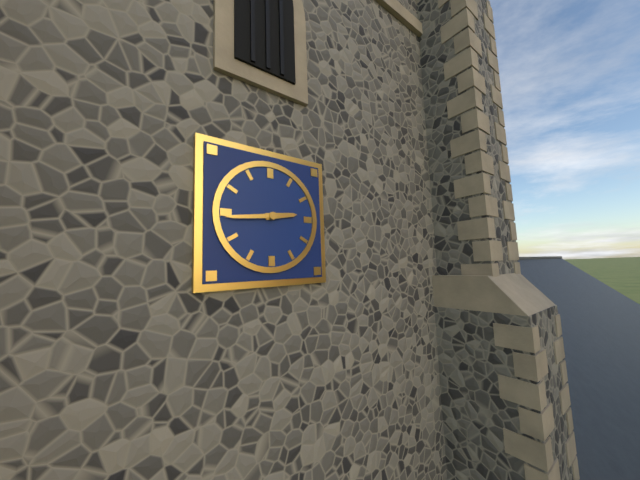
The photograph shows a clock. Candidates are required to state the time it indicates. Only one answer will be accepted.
2:44
